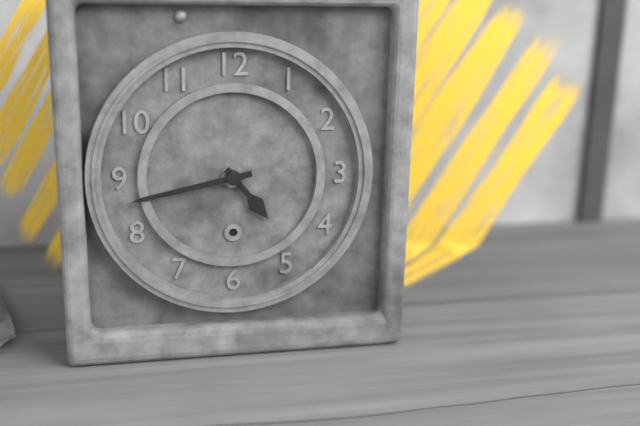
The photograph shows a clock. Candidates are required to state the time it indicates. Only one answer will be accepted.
4:43
